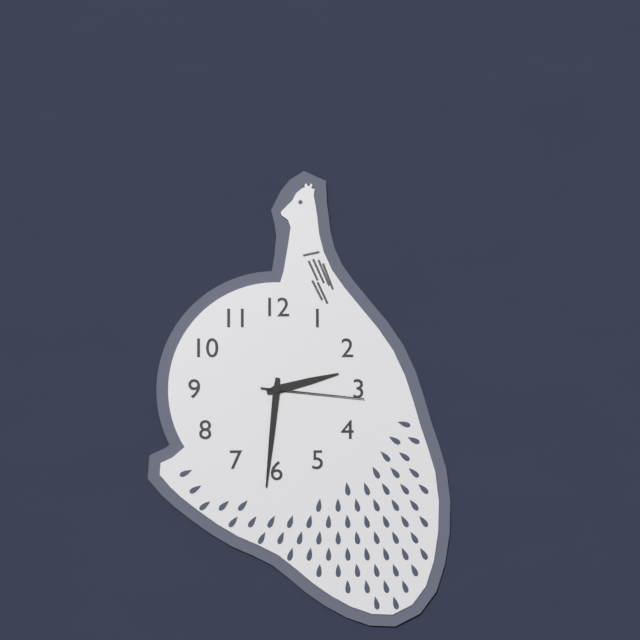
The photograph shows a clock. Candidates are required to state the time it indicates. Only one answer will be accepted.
2:31:16
